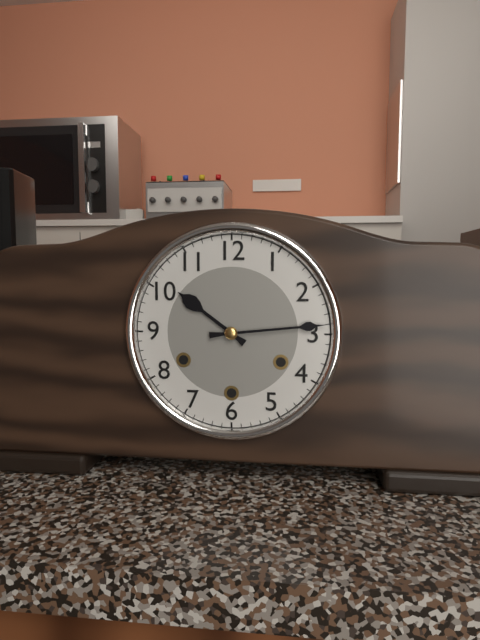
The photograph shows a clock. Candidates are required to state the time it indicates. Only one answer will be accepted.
10:14
